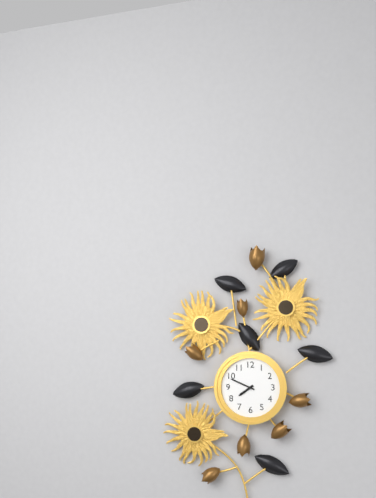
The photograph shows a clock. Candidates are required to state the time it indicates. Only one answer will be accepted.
7:49
